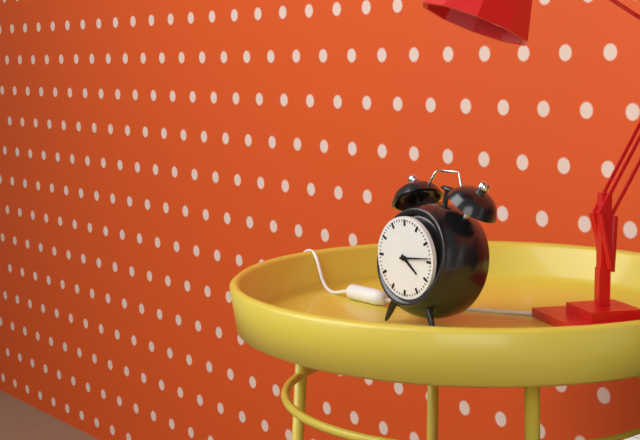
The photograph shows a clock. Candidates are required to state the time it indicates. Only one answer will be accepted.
4:14
